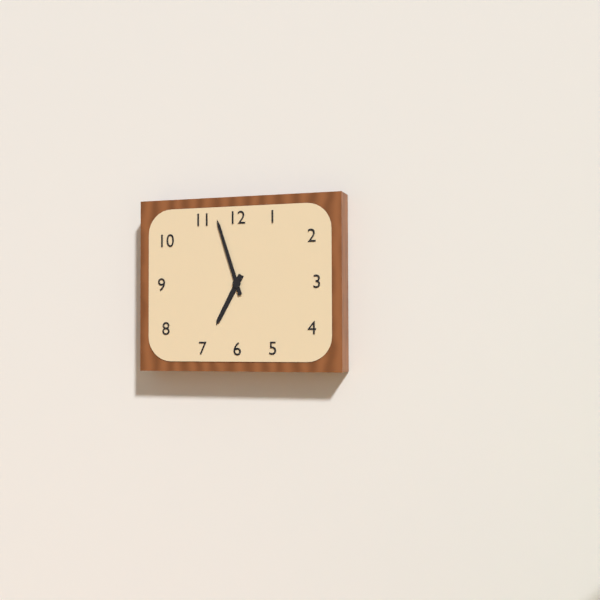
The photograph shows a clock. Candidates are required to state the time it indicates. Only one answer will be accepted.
6:57
